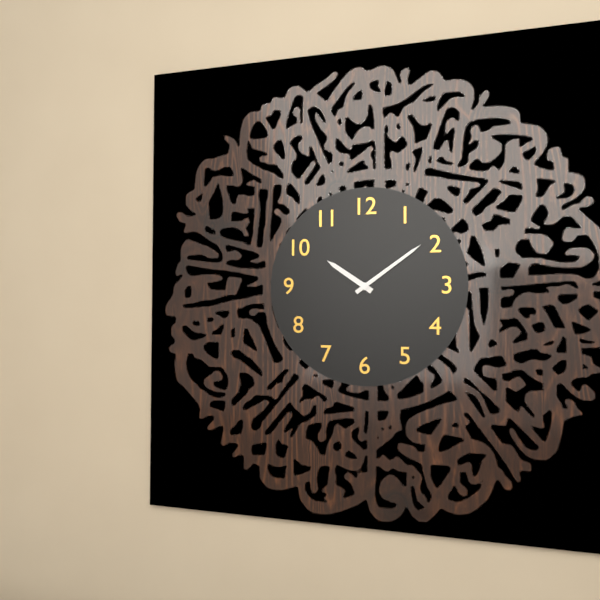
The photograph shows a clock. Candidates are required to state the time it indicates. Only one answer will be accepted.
10:09
